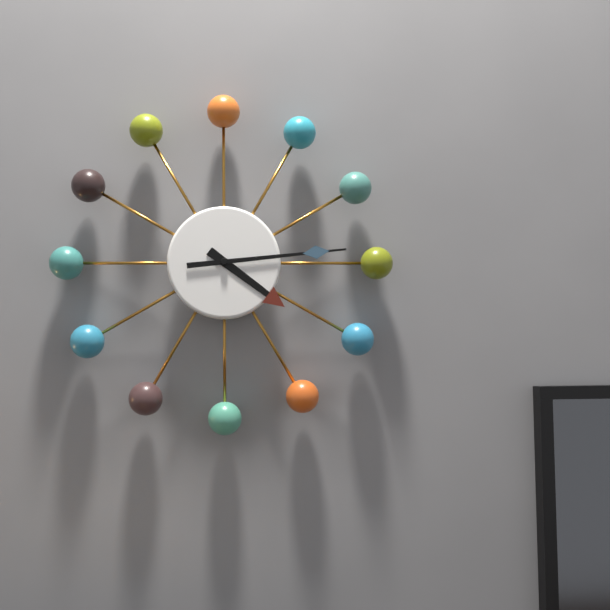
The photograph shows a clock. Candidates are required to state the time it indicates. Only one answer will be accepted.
4:14
